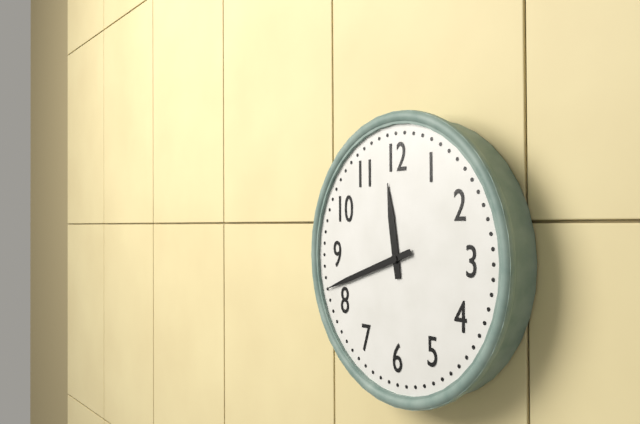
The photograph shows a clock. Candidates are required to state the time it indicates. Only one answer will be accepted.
11:42
